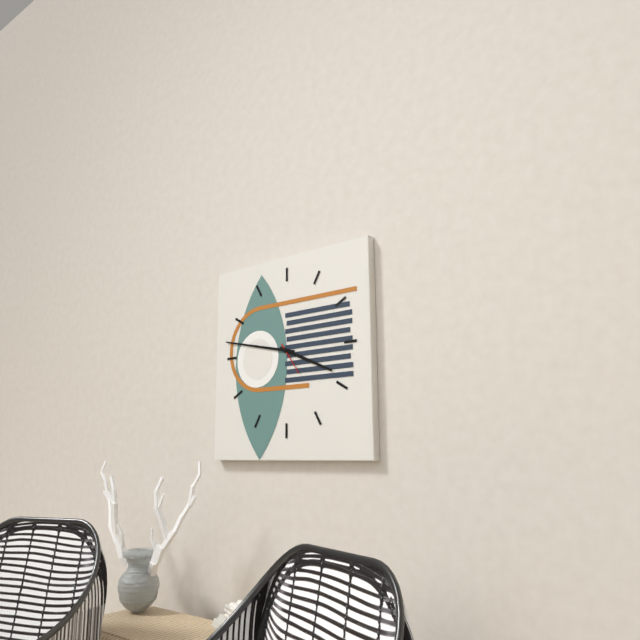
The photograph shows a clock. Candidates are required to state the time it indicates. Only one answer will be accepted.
3:47
